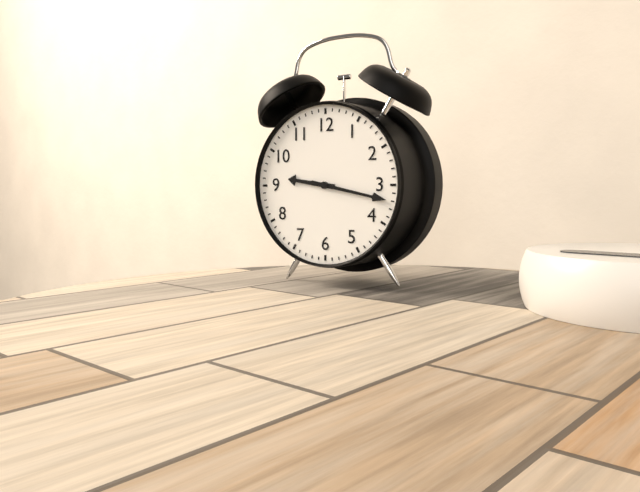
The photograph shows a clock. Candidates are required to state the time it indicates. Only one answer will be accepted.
9:17
